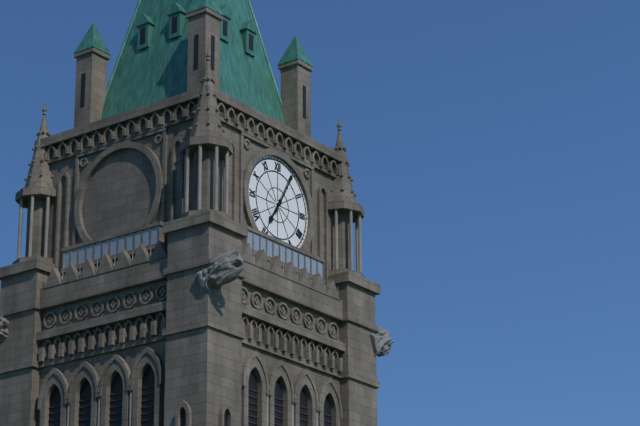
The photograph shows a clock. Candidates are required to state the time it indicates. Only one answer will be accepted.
7:05
